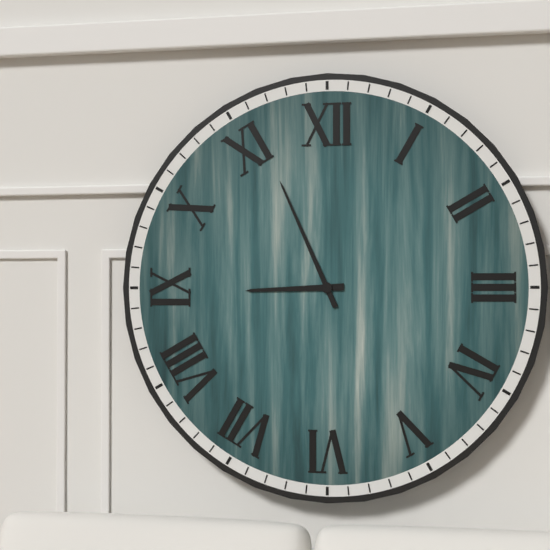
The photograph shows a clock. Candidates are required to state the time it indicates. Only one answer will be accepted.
8:56
